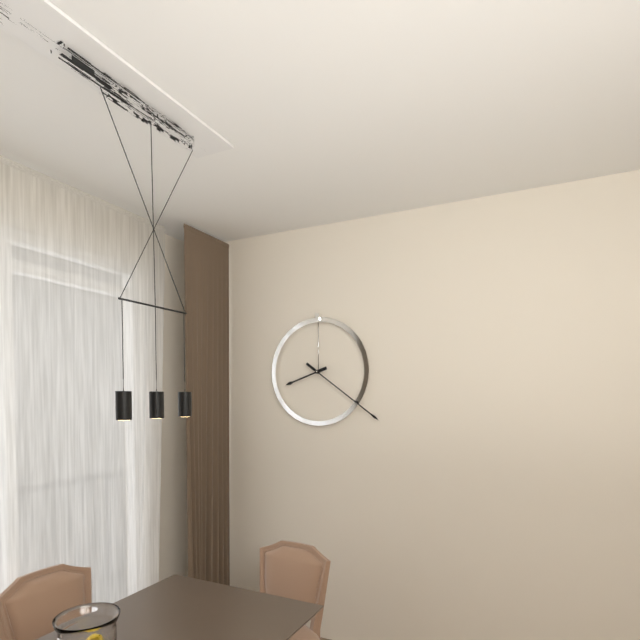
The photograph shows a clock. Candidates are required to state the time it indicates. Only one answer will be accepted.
8:21
